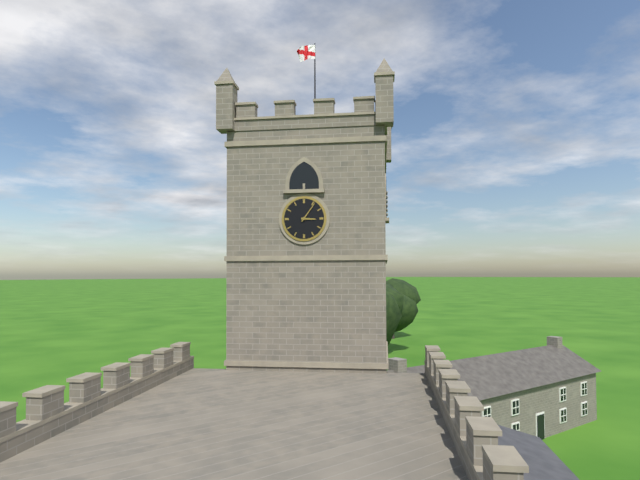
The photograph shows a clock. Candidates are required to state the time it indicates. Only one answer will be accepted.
3:06
